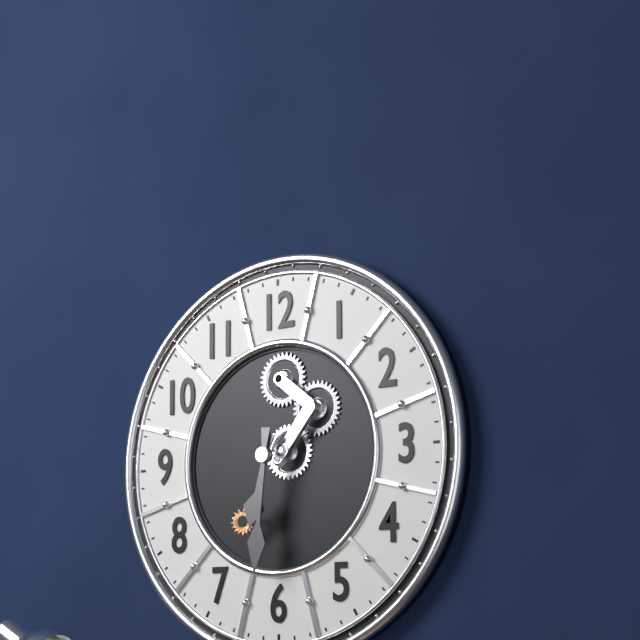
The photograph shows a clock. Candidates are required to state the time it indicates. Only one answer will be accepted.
6:31
